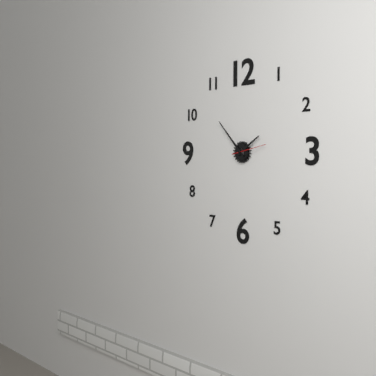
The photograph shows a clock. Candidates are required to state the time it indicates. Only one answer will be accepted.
1:53
